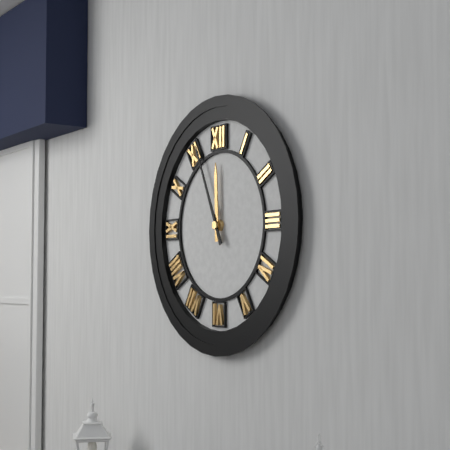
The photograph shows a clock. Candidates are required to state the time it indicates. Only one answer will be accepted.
11:56
